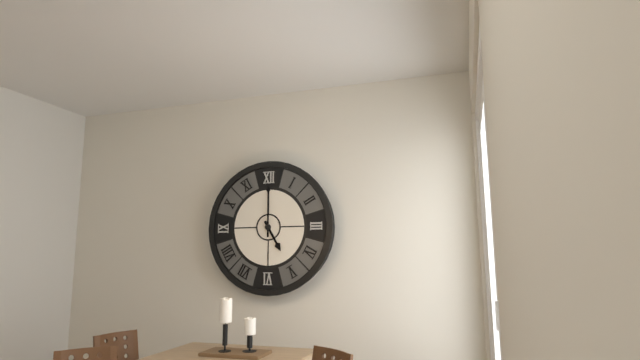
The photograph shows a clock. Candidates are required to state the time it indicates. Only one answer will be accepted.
5:00
